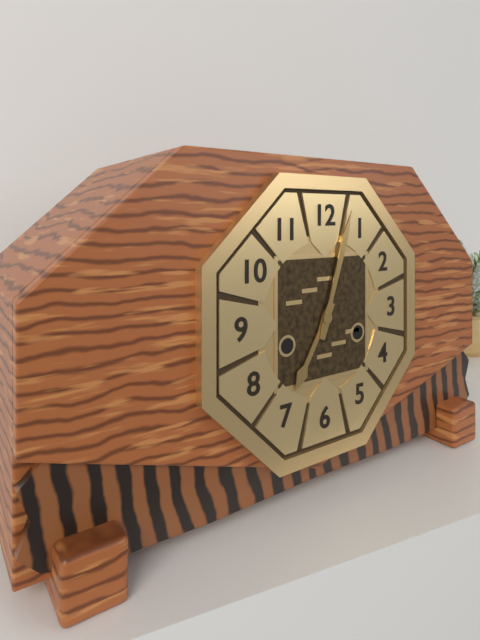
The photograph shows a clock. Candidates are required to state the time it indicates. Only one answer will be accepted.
7:03
